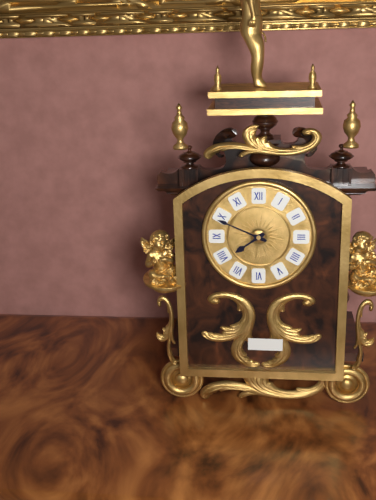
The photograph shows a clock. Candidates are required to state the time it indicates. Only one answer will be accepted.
7:49
